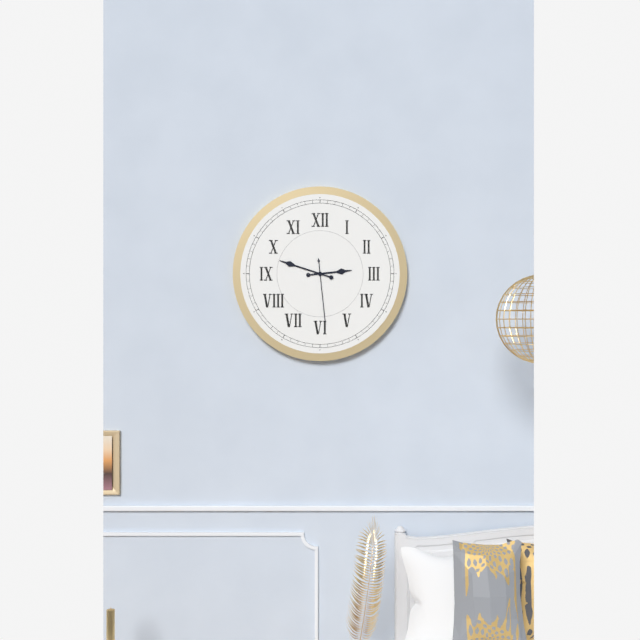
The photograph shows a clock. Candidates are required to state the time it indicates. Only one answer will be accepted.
2:48:29
